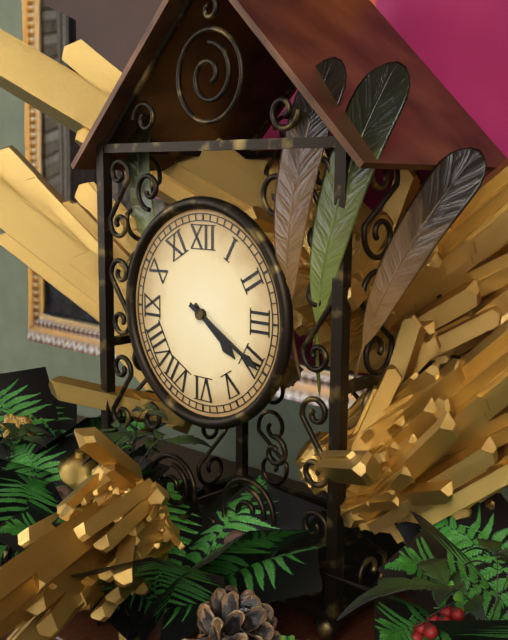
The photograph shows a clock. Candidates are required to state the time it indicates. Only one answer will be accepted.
4:20
